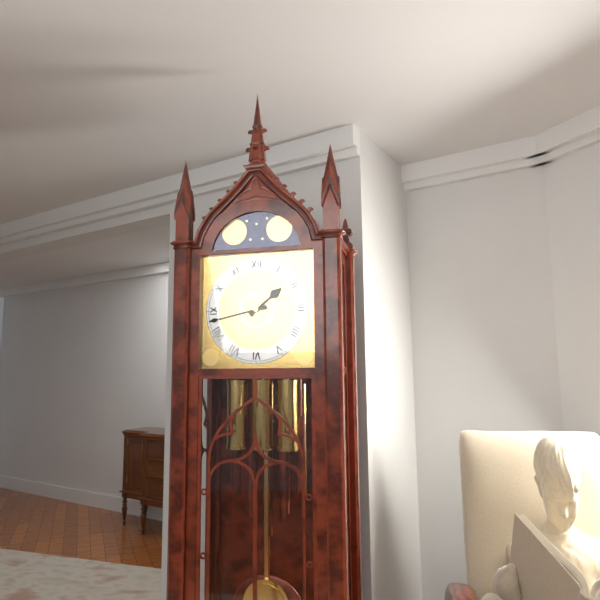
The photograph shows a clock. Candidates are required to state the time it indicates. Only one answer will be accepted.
1:43
